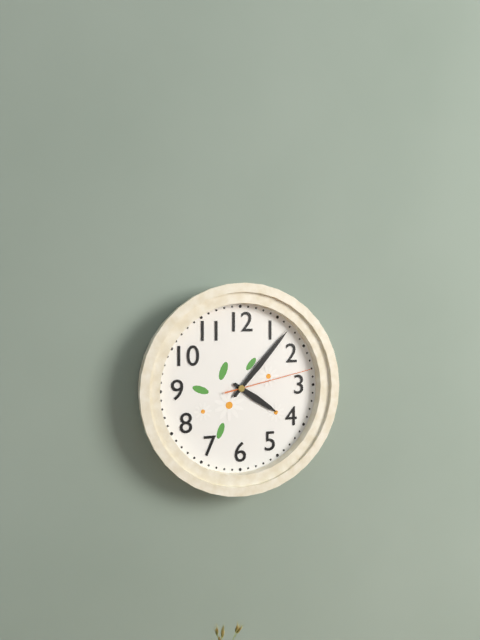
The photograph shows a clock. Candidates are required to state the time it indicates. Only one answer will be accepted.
4:07:13
